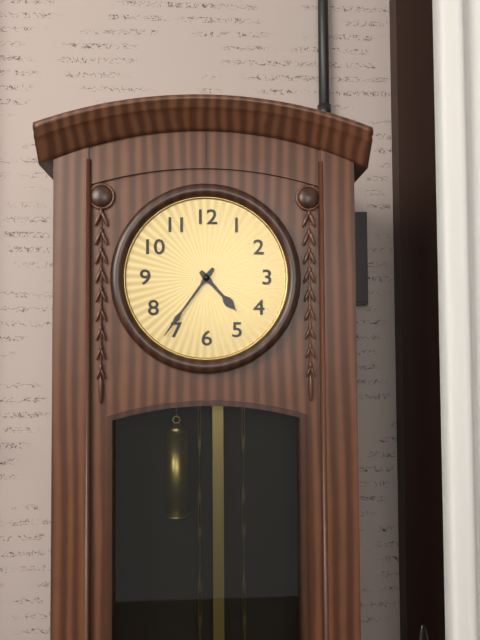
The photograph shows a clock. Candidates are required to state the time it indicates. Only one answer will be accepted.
4:36
